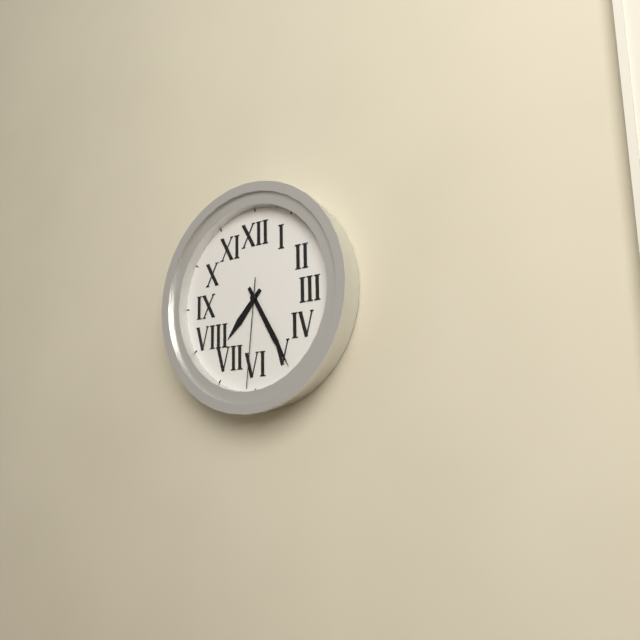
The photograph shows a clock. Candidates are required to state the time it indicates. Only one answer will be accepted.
7:25:31
